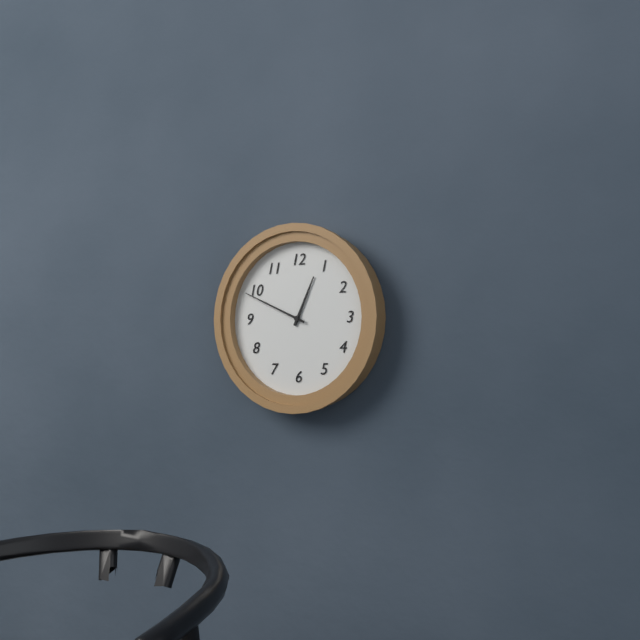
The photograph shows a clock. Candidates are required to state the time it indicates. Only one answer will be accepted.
12:49
